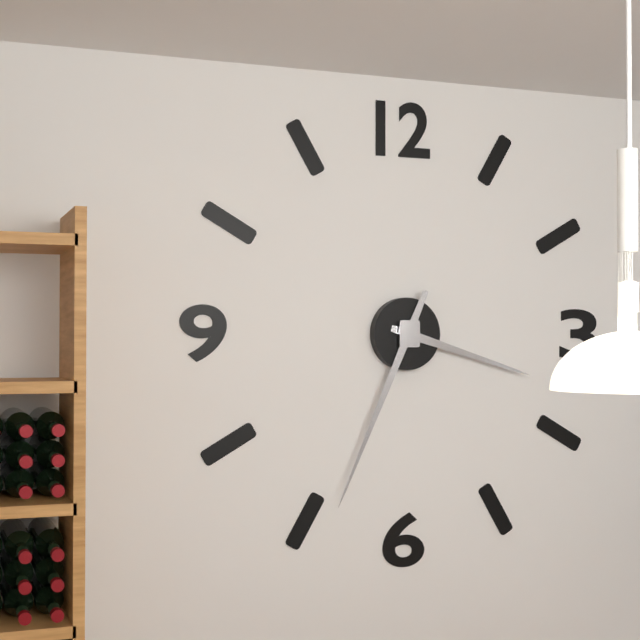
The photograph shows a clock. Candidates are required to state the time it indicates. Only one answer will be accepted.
3:34
